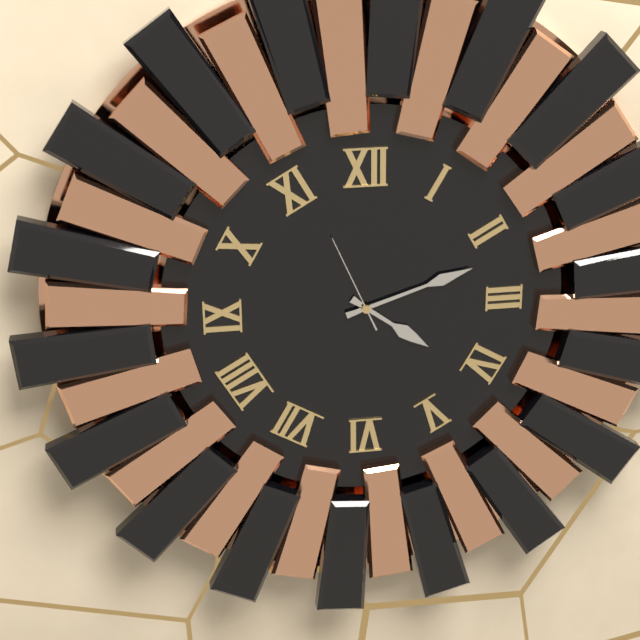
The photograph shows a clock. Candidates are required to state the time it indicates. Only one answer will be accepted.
4:12:56
